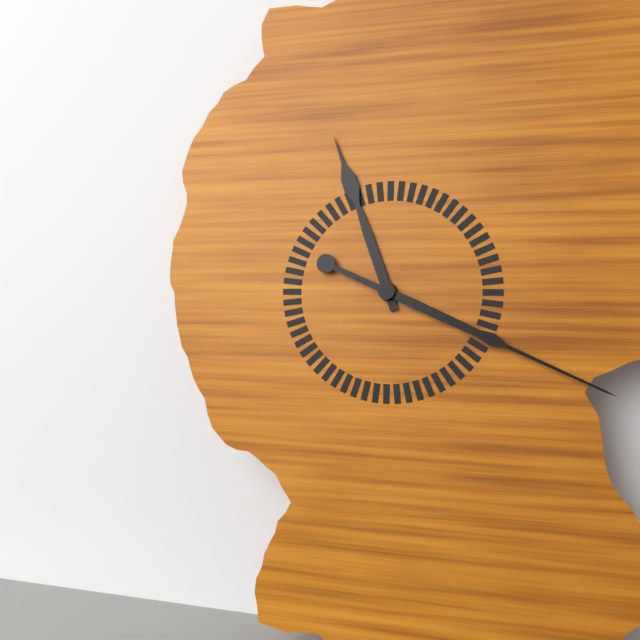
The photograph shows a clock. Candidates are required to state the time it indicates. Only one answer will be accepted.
11:19
